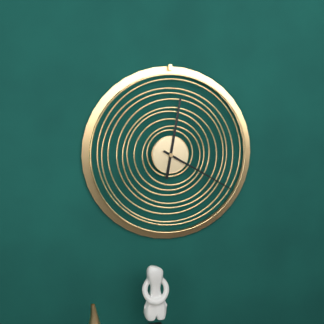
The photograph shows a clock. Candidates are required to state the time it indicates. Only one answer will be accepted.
12:20
